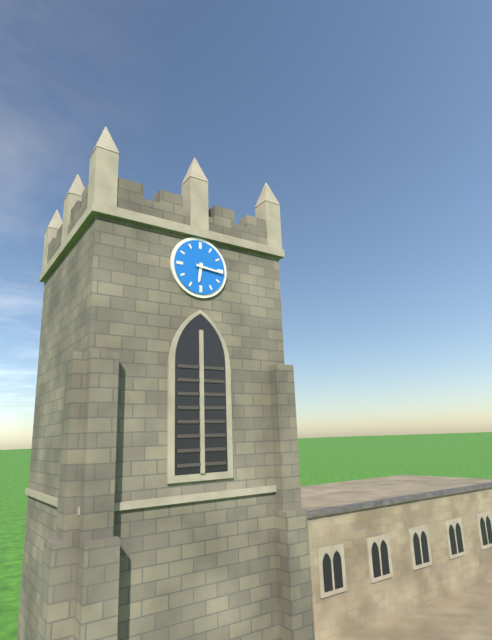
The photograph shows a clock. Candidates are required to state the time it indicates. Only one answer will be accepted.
6:16
